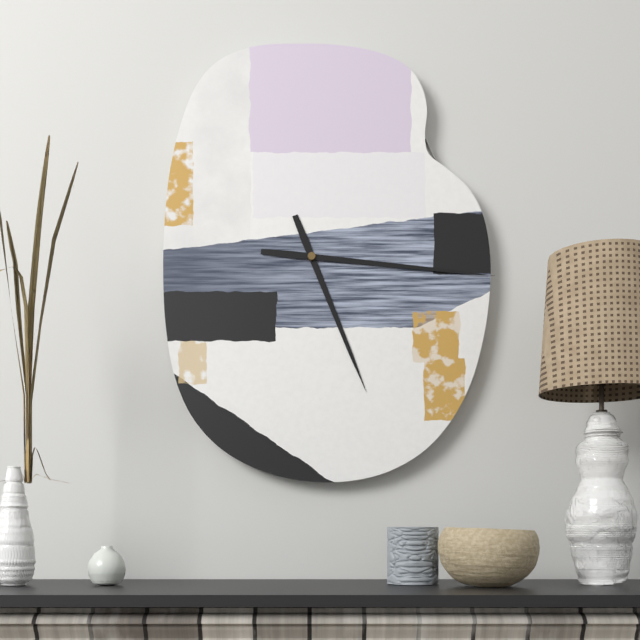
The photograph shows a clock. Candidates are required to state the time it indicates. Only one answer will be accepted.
5:16
